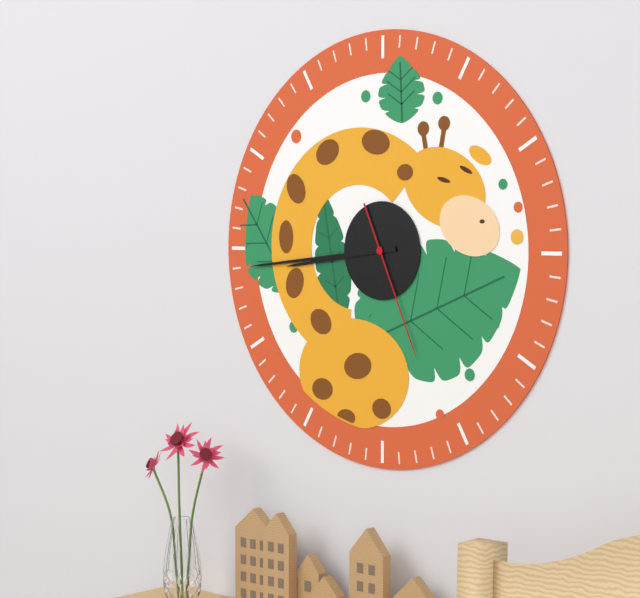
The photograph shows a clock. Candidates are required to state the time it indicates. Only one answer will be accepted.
8:44:26
